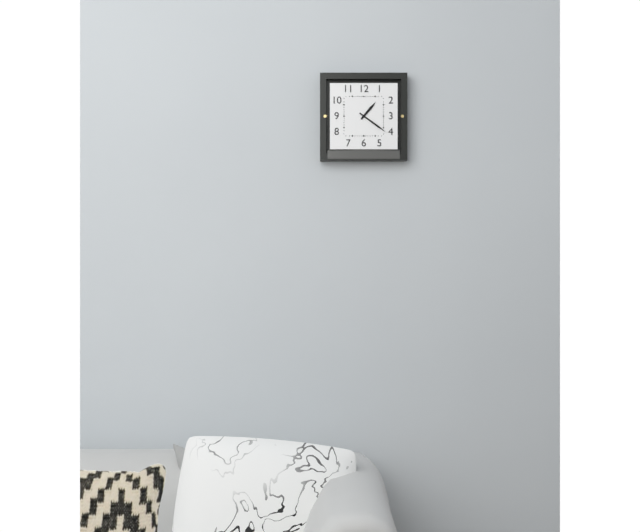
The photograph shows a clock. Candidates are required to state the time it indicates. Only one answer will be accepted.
1:21
